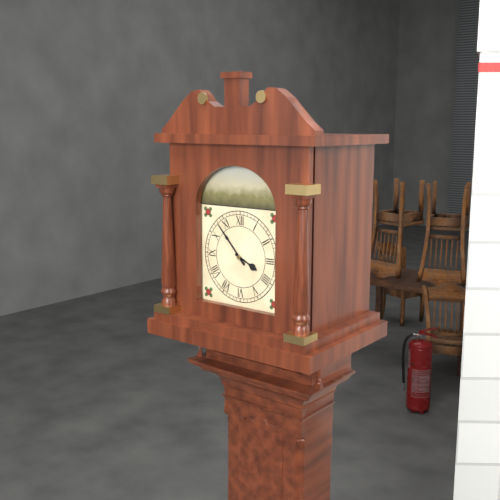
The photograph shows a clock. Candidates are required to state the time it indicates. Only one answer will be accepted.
3:53
